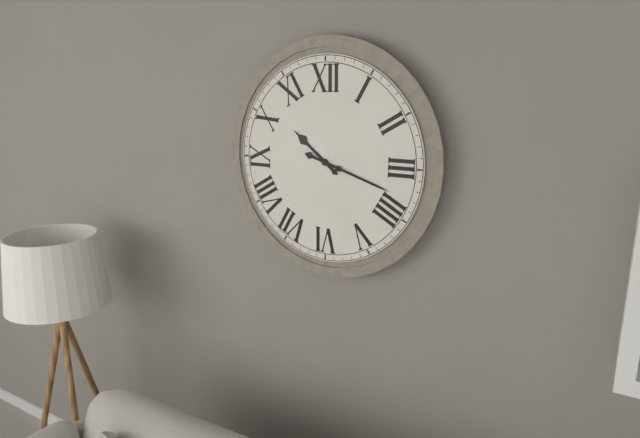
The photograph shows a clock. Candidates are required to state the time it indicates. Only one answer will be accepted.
10:18
